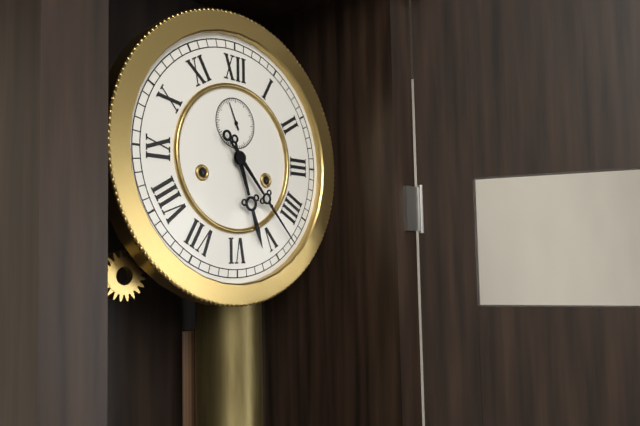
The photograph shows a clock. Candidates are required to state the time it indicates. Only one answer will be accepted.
5:23
